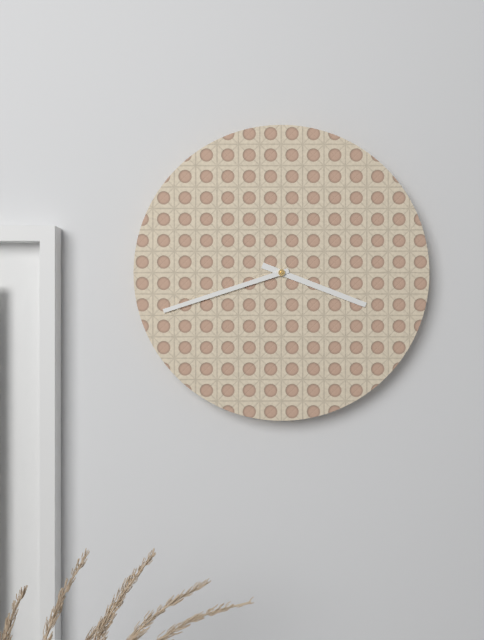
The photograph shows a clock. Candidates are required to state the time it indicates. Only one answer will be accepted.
3:42
